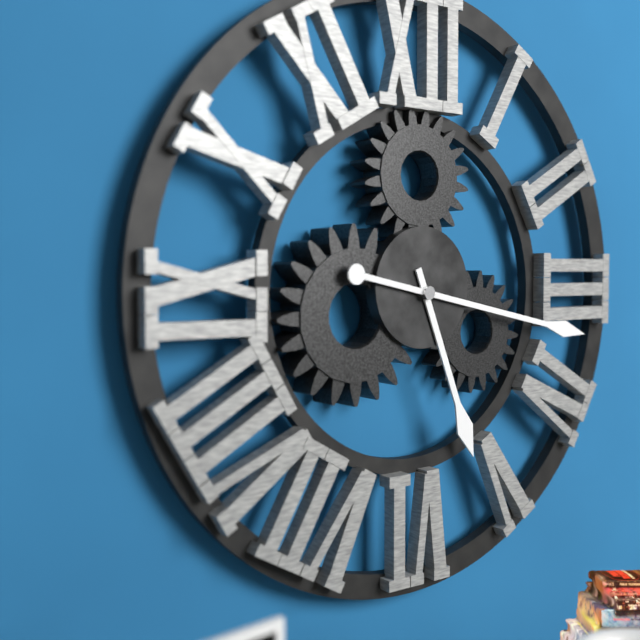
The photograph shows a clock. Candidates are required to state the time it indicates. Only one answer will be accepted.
5:17
